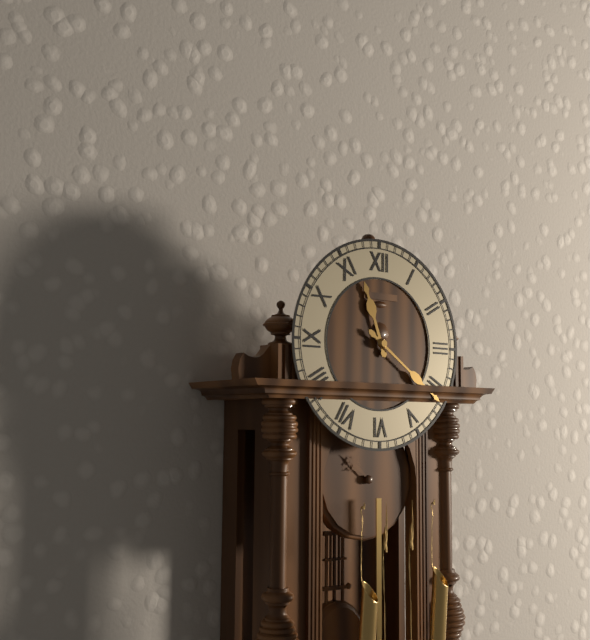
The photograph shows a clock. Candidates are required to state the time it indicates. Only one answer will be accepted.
11:21
